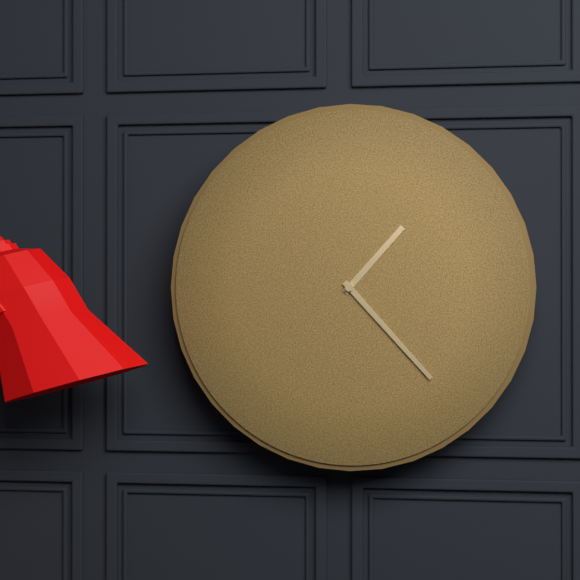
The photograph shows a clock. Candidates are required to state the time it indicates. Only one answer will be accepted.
1:23
